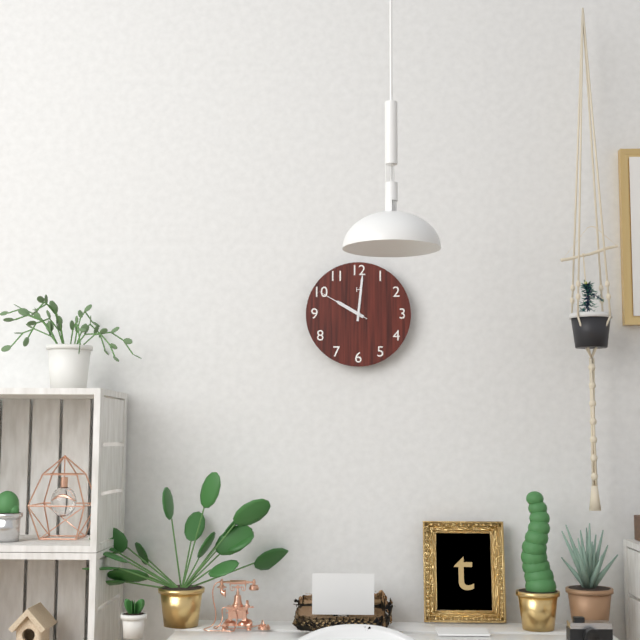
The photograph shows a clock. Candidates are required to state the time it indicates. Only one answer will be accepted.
10:01:50
